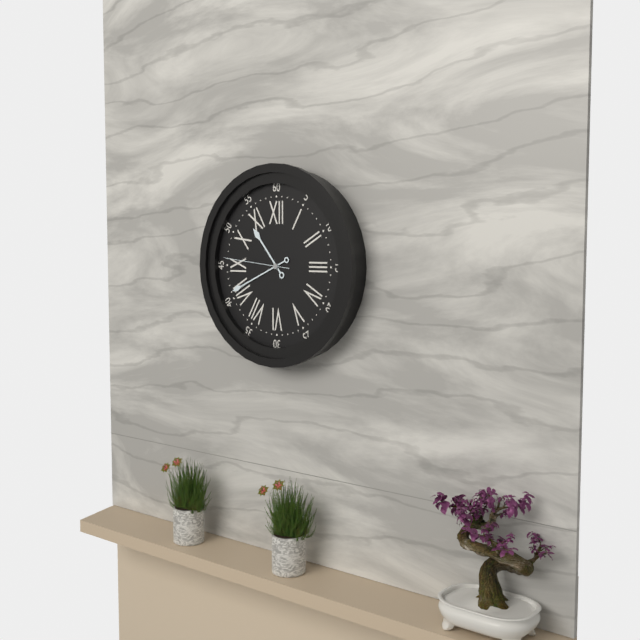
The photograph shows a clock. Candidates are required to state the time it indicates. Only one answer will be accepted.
10:41:46
